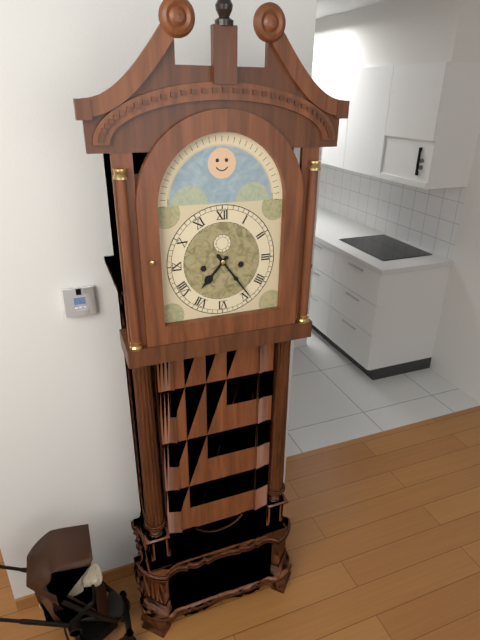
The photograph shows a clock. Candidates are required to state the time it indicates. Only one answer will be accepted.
7:24
